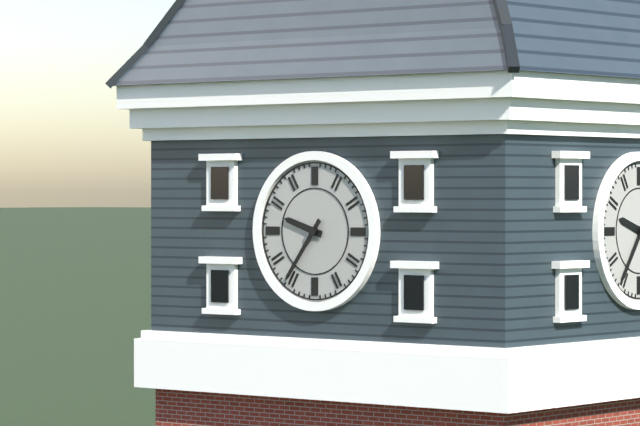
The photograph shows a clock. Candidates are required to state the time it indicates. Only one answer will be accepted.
9:36
